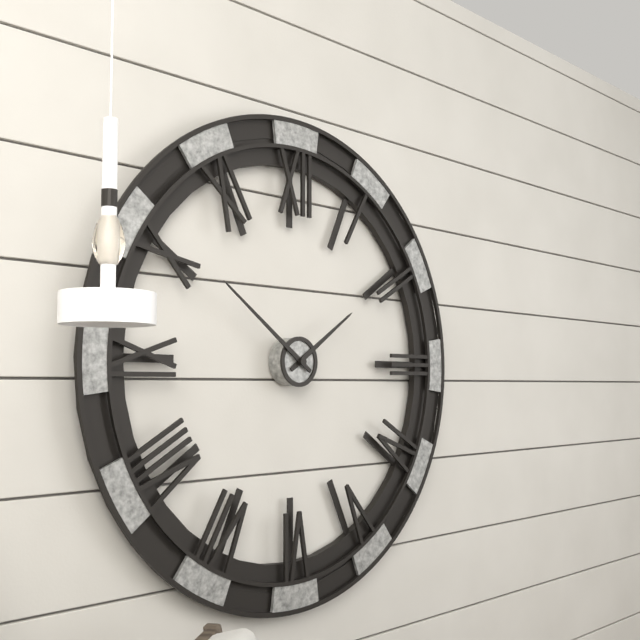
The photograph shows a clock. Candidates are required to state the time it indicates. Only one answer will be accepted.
1:51
